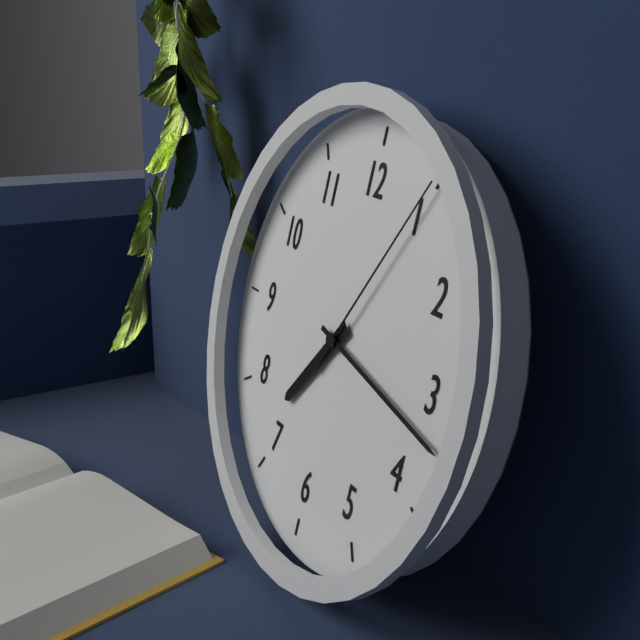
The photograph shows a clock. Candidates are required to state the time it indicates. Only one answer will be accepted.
7:17:05
